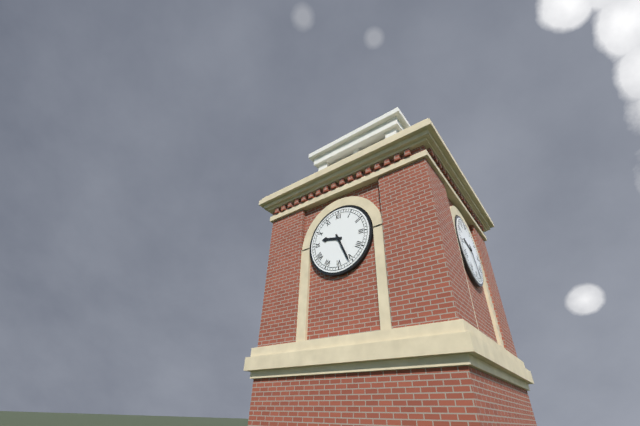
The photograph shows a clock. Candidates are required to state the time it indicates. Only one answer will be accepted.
9:26
